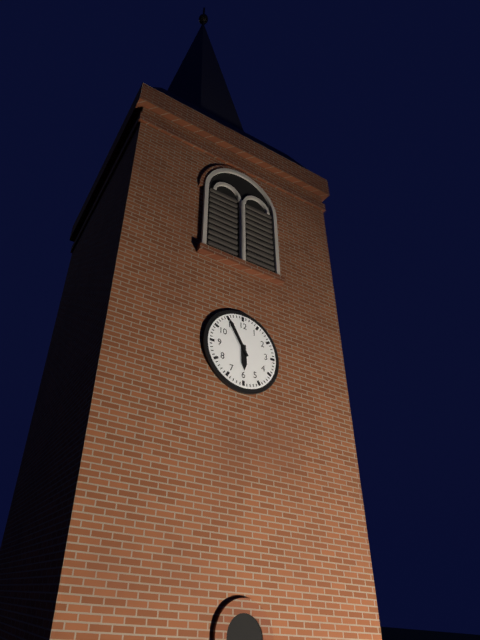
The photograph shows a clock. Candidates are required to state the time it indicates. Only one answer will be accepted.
5:55
